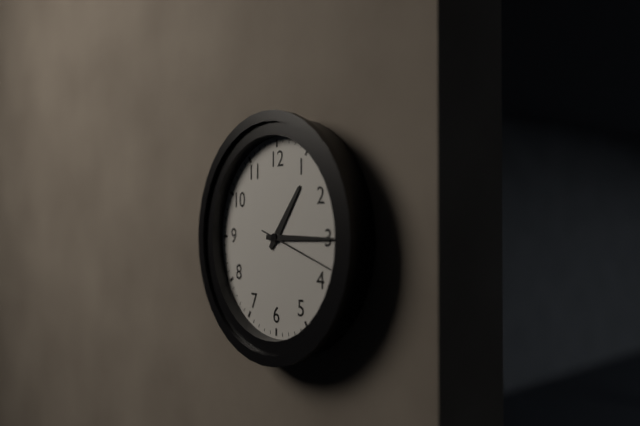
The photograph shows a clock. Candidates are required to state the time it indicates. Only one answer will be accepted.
1:15:18
